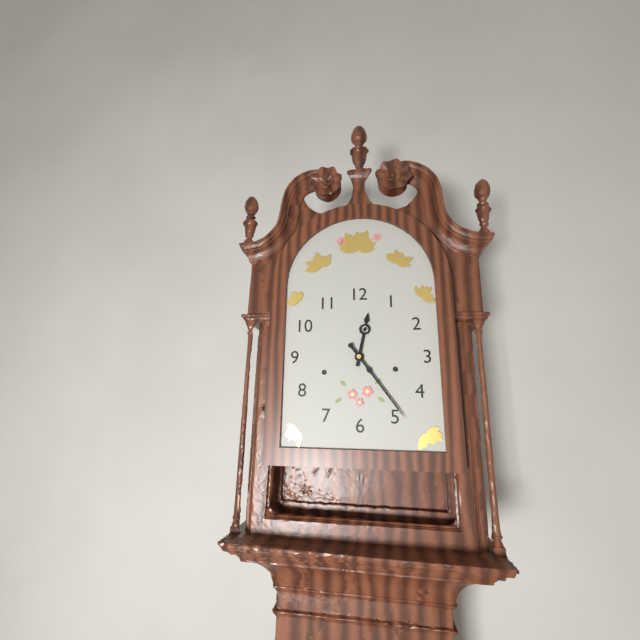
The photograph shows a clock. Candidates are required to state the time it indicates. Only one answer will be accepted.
12:24
